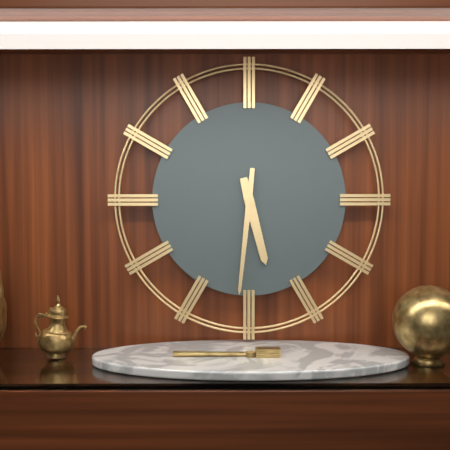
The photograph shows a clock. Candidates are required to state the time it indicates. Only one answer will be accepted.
5:31
